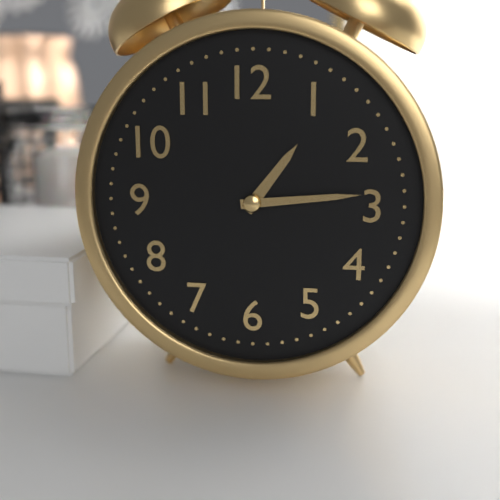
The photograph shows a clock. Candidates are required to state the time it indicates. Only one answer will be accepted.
1:14
